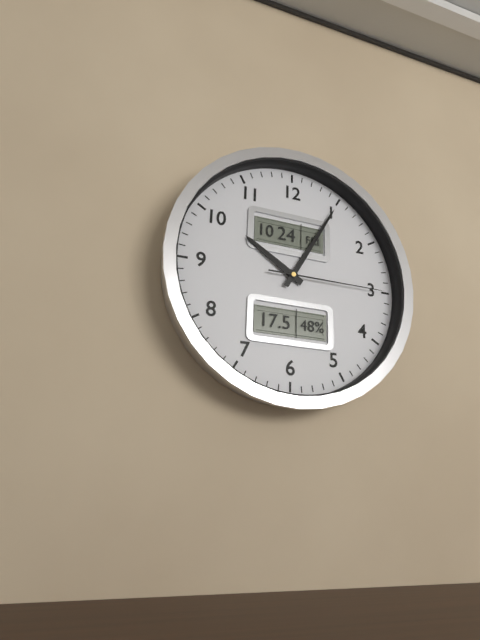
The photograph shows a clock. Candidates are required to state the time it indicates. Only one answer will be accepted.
10:05:15
